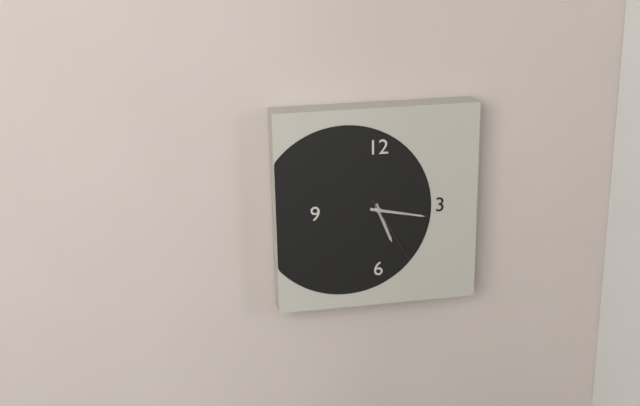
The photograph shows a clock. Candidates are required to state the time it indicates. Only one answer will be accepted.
5:17:25
